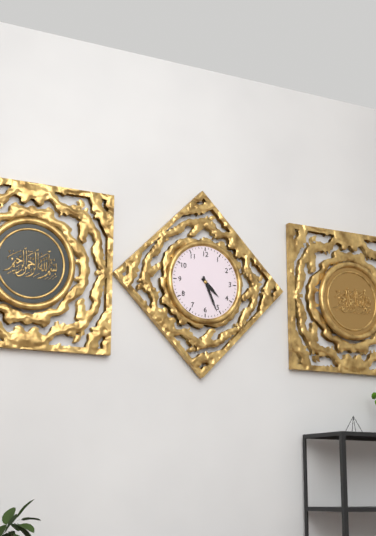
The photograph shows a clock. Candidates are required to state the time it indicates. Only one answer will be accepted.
4:26
